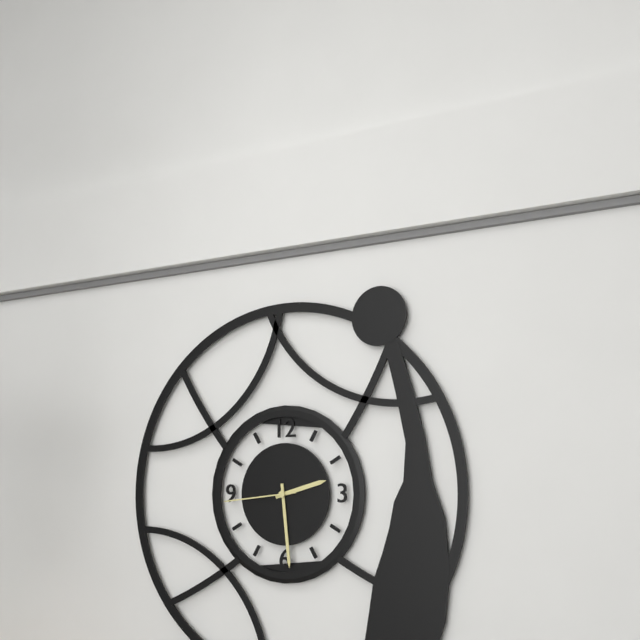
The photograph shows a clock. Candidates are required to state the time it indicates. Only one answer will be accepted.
2:29:44
